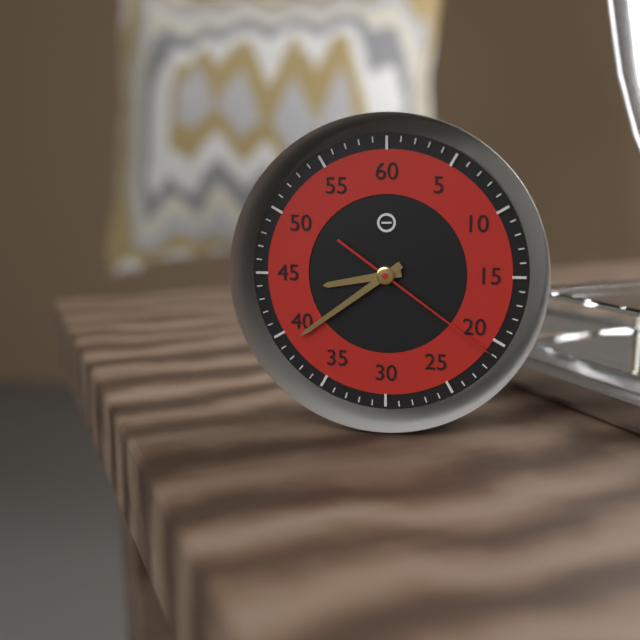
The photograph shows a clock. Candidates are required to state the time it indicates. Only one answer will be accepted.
8:39:21
